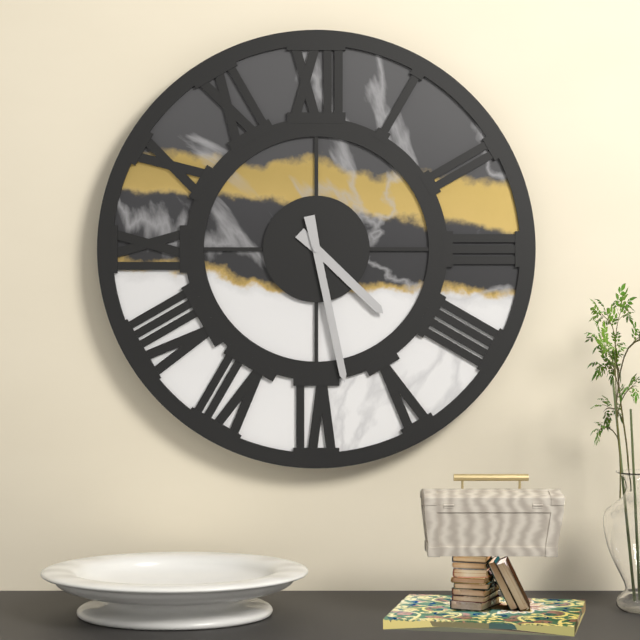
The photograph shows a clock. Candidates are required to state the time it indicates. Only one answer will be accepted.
4:28
